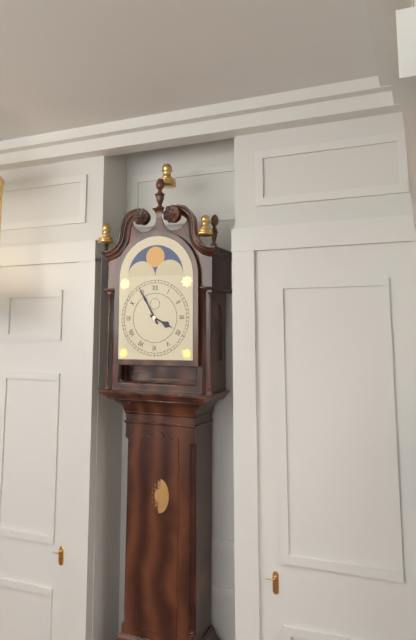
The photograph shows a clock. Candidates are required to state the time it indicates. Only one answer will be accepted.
3:55
